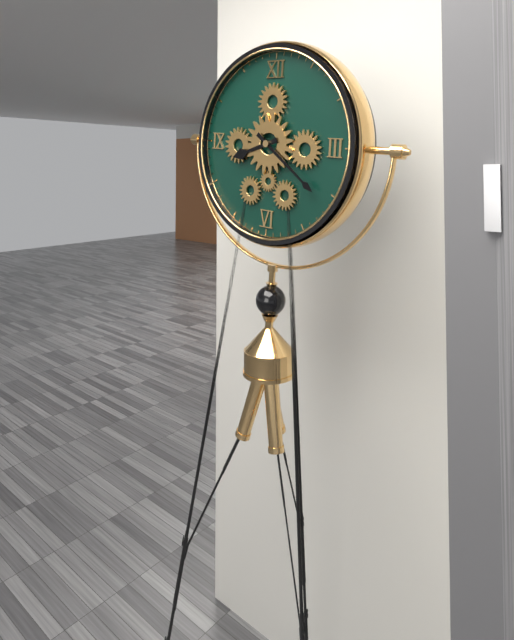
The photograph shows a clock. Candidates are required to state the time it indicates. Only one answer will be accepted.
8:21
